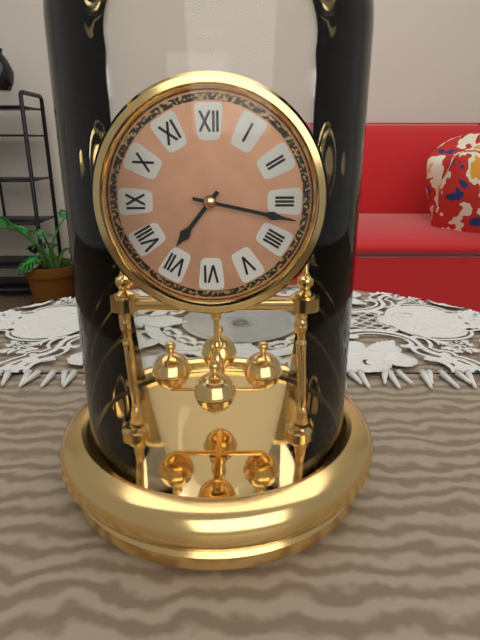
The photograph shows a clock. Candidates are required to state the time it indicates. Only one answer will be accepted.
7:17
